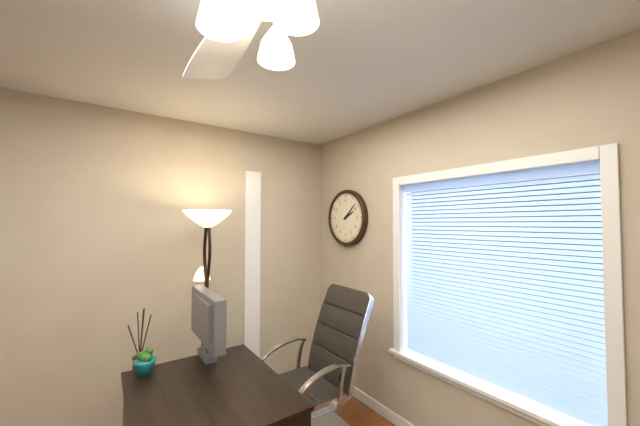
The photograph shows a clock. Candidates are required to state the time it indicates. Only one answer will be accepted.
2:08
